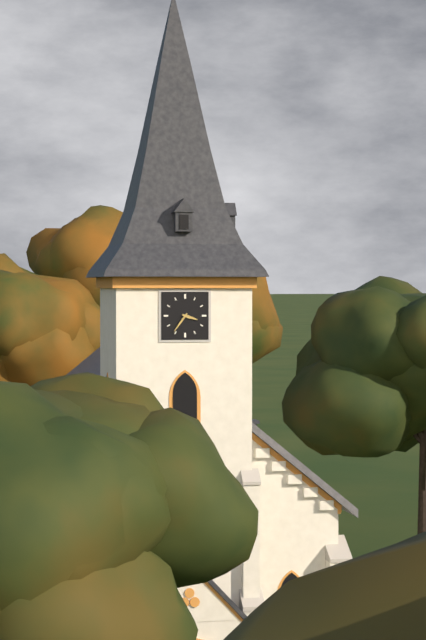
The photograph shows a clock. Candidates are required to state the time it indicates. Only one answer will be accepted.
3:36
